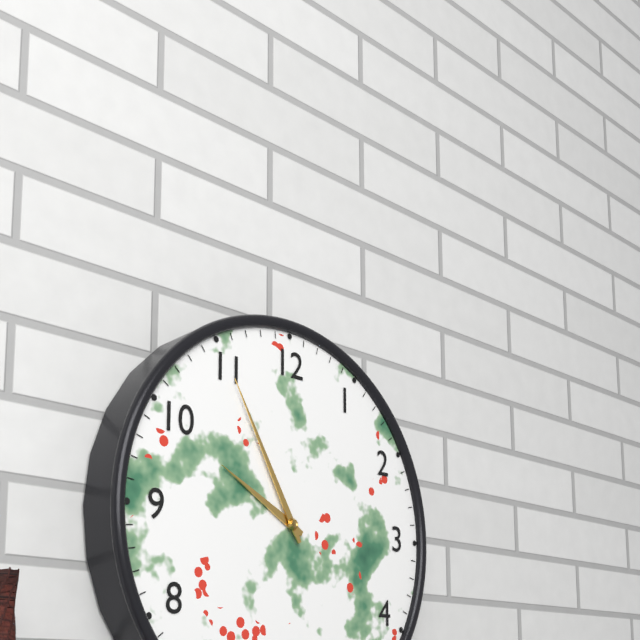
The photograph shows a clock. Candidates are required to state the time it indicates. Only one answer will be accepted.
9:55
